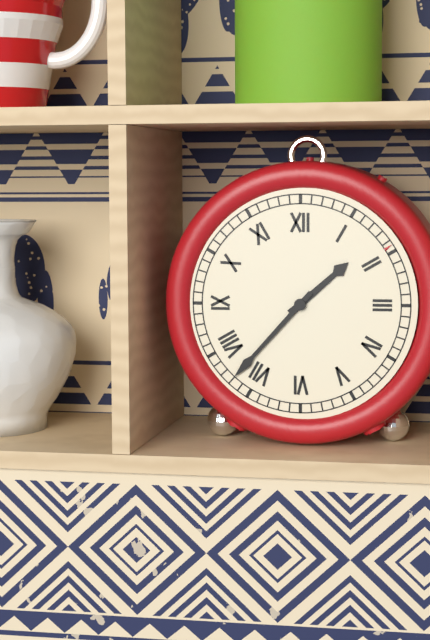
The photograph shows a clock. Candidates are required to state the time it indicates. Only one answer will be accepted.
1:37
